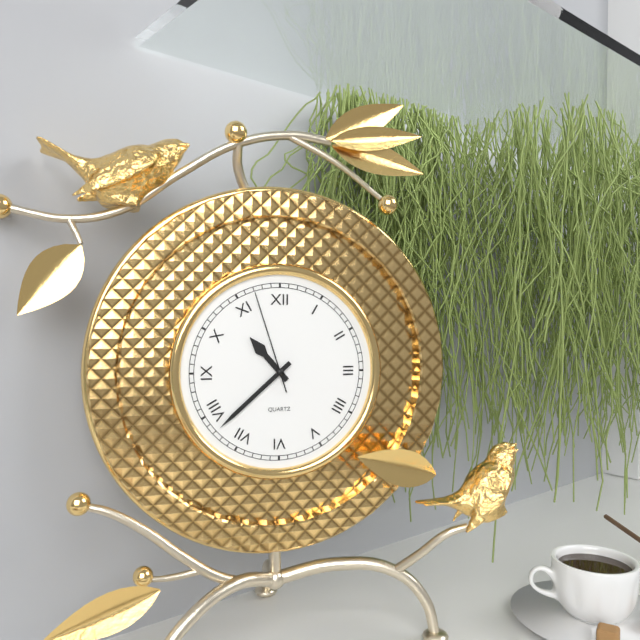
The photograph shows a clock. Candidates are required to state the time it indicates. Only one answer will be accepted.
10:38:57
